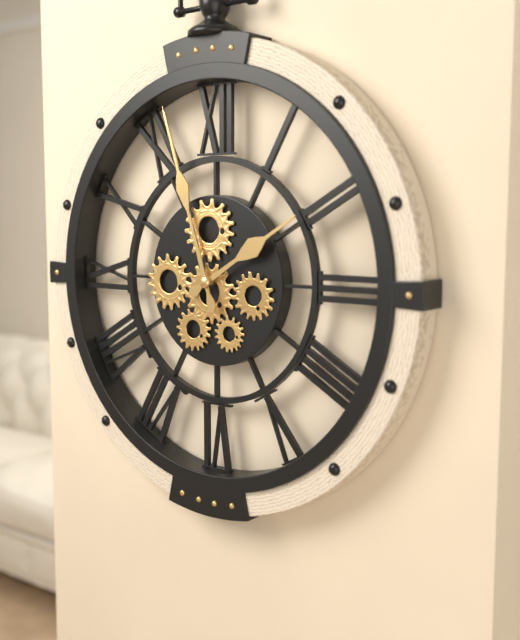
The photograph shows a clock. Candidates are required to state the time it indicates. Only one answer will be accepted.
1:57
